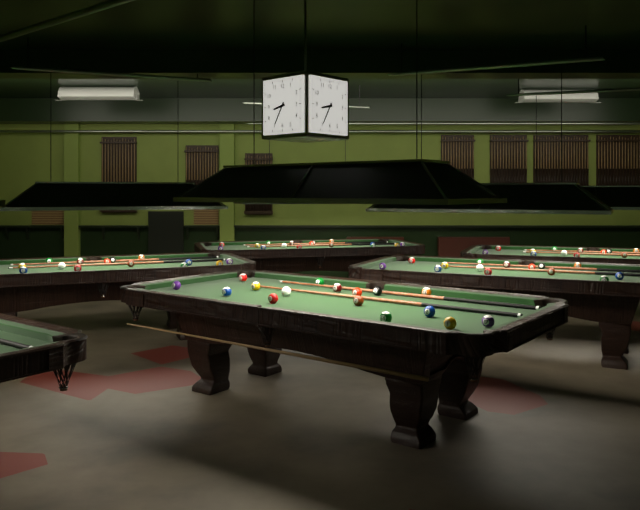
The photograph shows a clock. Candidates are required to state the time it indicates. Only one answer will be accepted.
8:35
